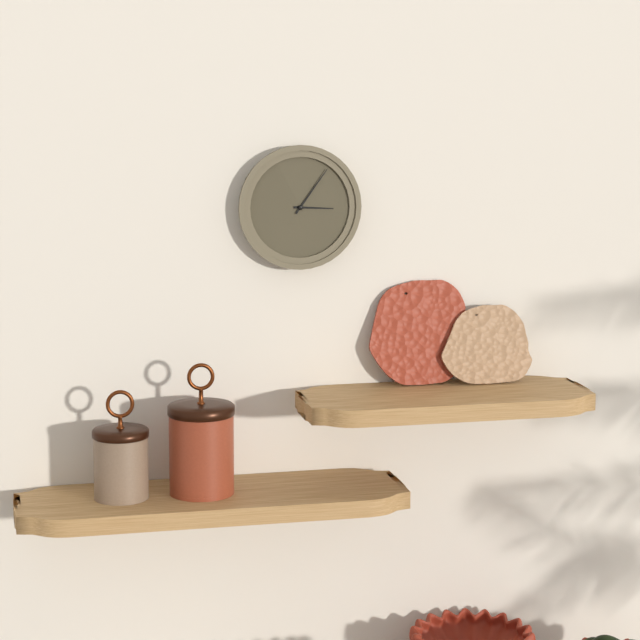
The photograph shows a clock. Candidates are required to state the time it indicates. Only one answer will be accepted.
3:06
